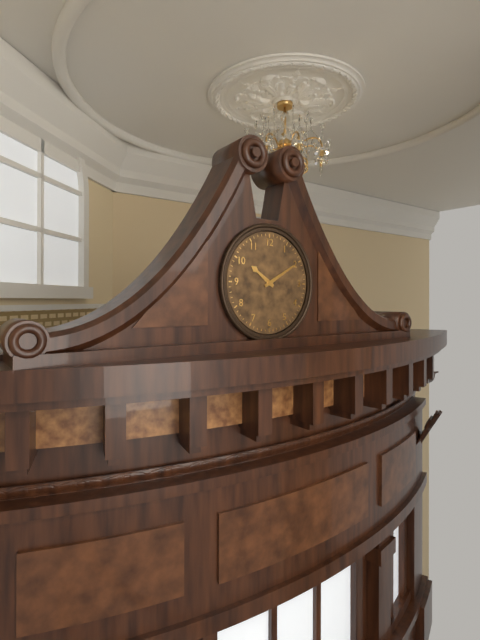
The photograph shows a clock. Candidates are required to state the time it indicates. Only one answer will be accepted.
10:10
